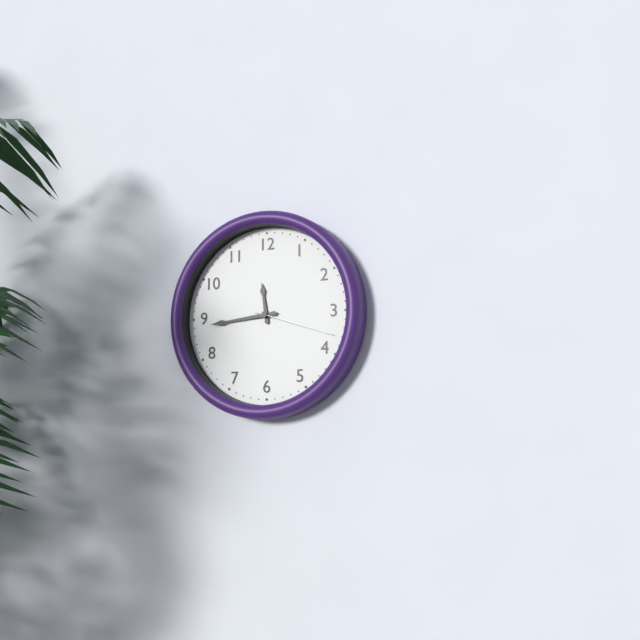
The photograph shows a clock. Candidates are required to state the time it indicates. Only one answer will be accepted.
11:44:18
